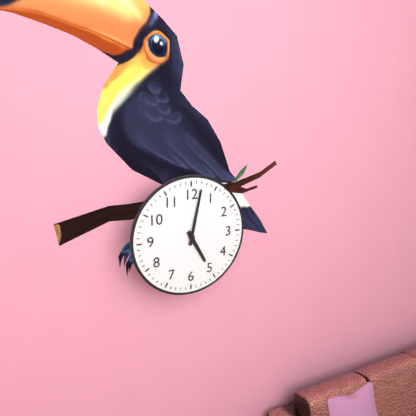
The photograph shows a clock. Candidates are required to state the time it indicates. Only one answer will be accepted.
5:02
